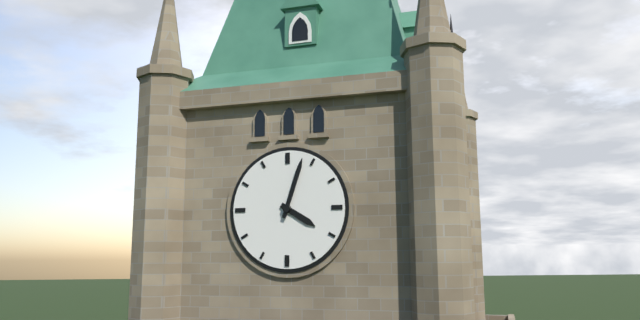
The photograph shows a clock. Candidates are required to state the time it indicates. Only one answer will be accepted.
4:03
